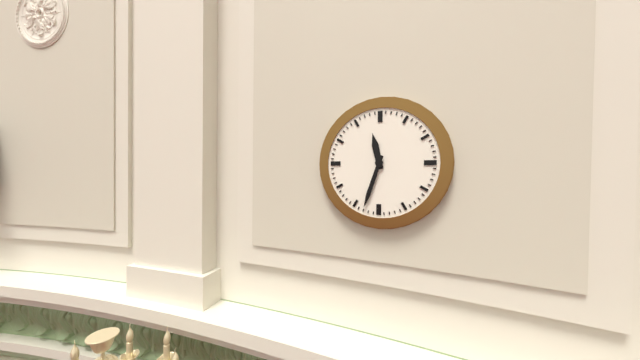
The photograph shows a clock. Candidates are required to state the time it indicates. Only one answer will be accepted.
11:33
